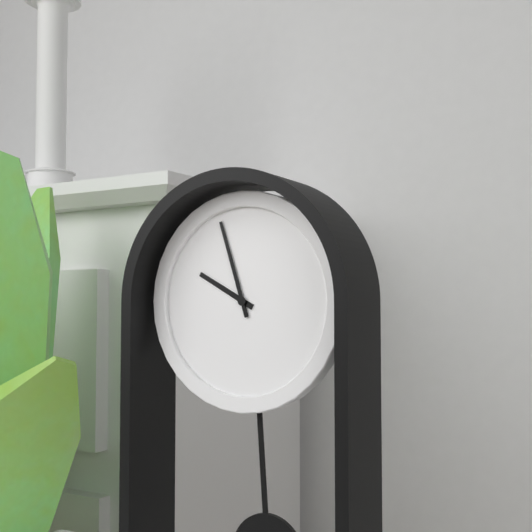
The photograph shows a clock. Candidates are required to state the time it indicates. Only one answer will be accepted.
9:57
